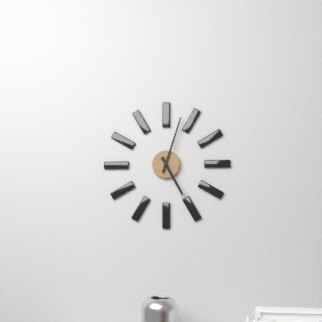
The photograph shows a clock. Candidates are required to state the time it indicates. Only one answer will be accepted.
5:03
